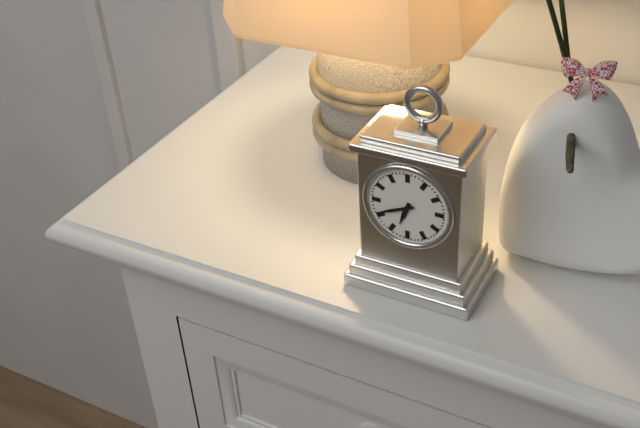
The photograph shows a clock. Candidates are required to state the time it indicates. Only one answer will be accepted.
6:41
